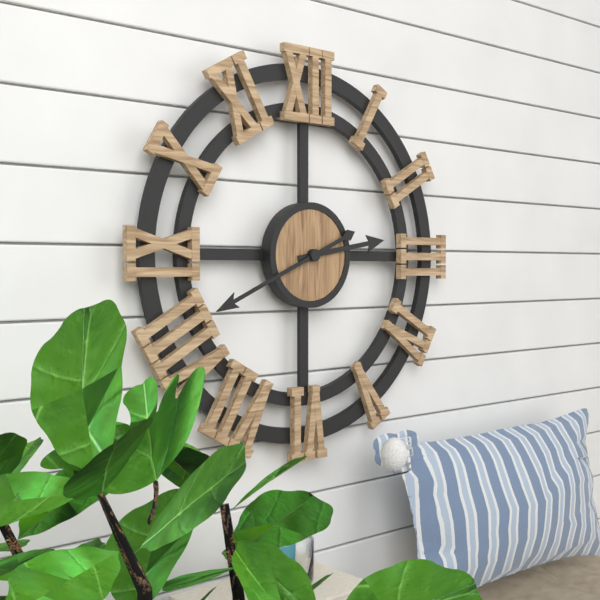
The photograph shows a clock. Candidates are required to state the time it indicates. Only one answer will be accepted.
2:41
